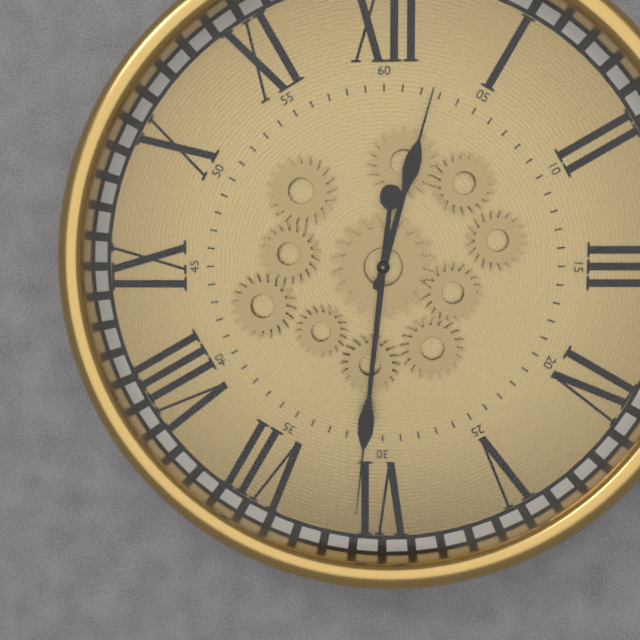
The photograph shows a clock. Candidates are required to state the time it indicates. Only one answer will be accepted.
12:31
